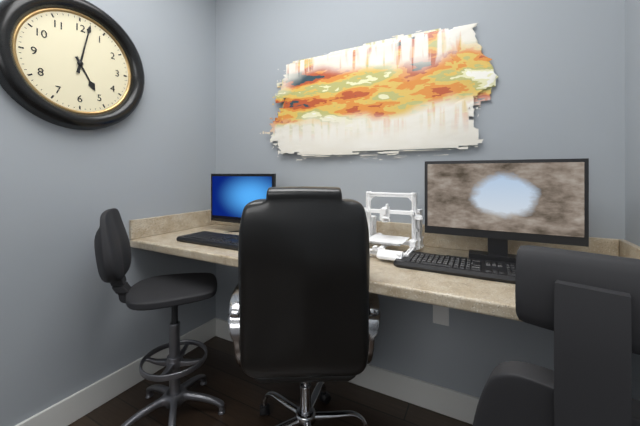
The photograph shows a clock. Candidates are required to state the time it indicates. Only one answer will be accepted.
5:02
